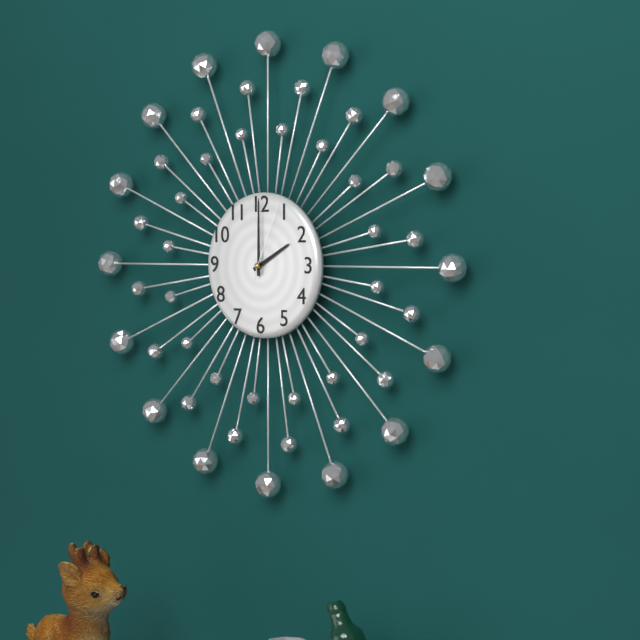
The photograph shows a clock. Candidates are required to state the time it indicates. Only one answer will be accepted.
2:00:04
